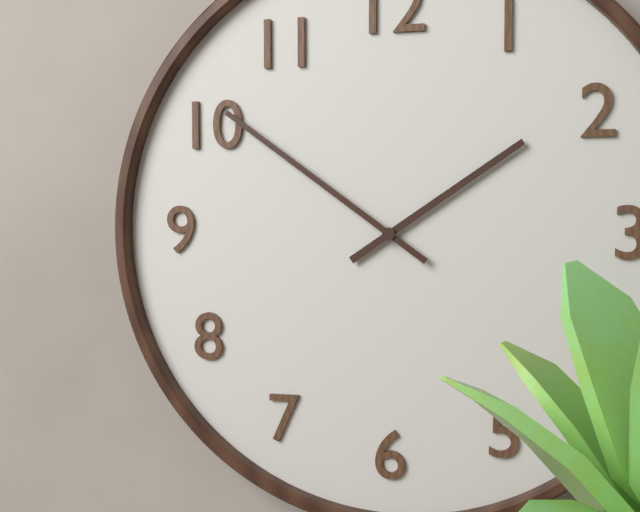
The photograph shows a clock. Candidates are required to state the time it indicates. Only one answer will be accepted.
1:51
